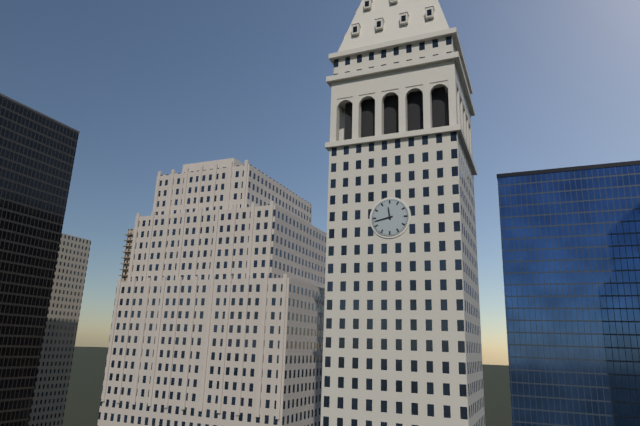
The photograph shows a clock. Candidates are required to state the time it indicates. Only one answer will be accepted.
11:43
